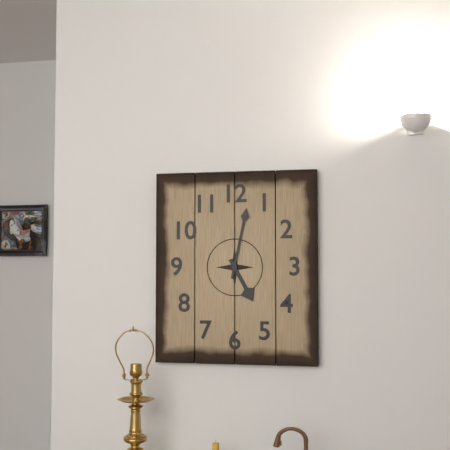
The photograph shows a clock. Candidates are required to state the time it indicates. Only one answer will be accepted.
5:02
